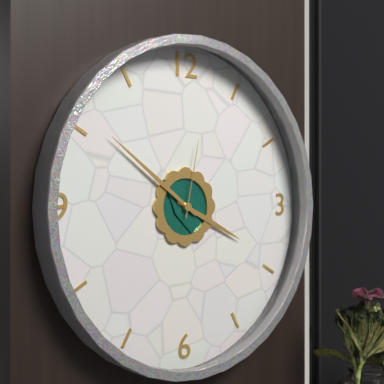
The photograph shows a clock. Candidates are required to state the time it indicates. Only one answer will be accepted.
3:51:02
